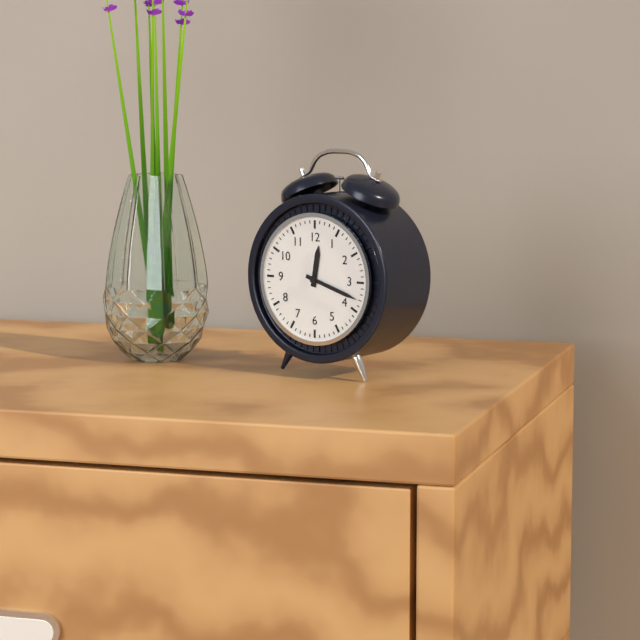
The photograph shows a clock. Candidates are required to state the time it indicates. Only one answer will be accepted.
12:18
